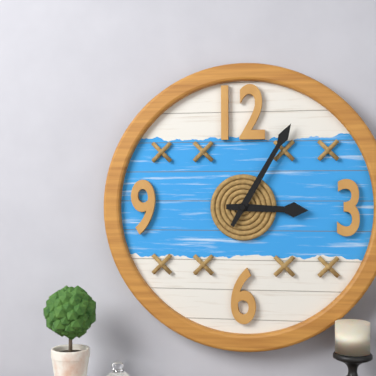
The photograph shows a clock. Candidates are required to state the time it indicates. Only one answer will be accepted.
3:05
